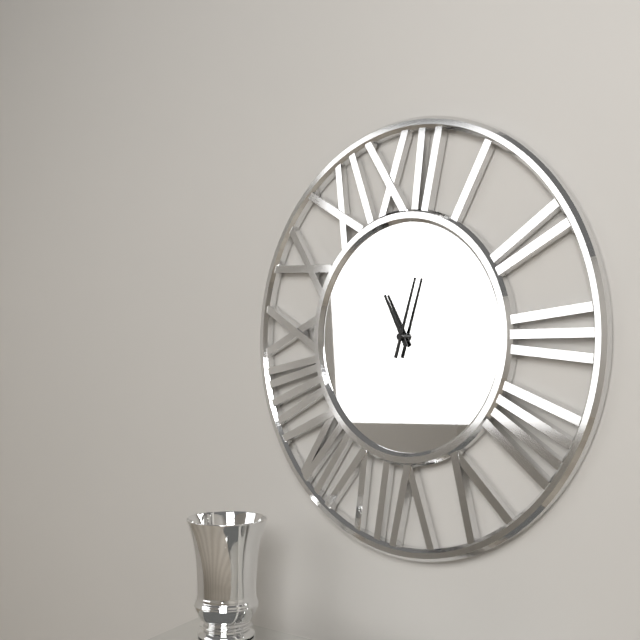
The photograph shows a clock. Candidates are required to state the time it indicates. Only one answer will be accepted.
11:03
